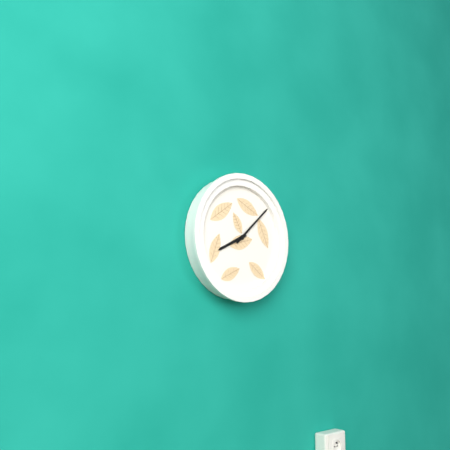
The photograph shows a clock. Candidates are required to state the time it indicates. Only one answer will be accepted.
8:08
